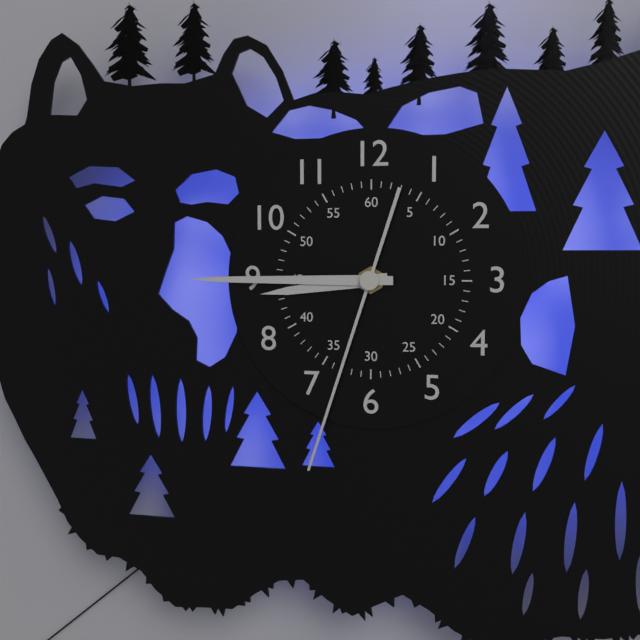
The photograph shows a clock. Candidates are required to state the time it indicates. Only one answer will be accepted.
8:45:33
